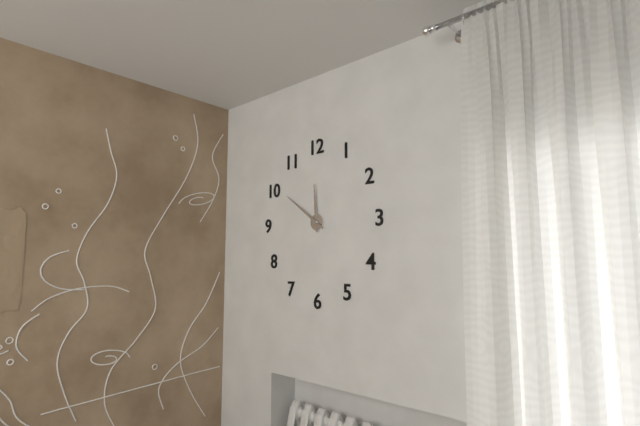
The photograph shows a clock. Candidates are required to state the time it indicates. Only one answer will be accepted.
11:51
